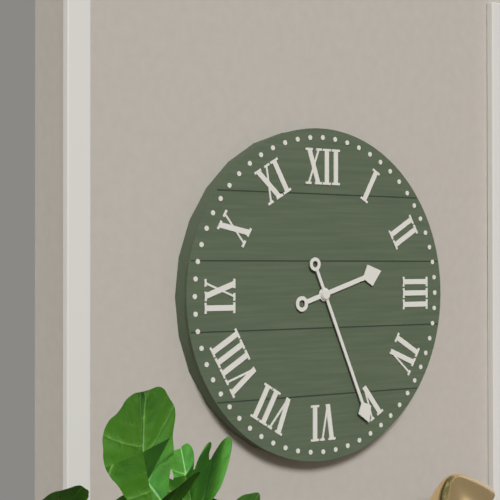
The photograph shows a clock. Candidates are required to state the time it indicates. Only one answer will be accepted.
2:26
